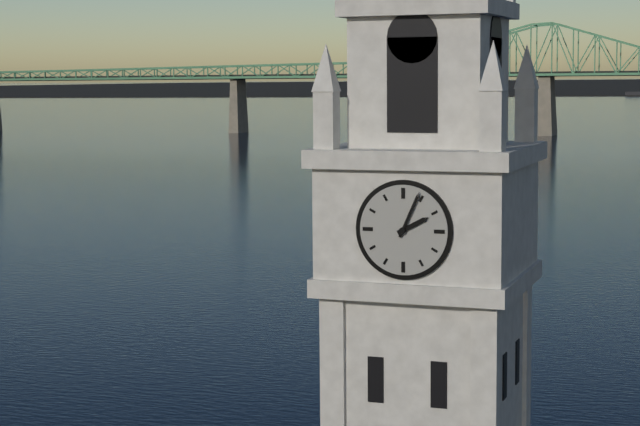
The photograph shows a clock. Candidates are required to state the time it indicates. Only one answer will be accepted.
2:04
